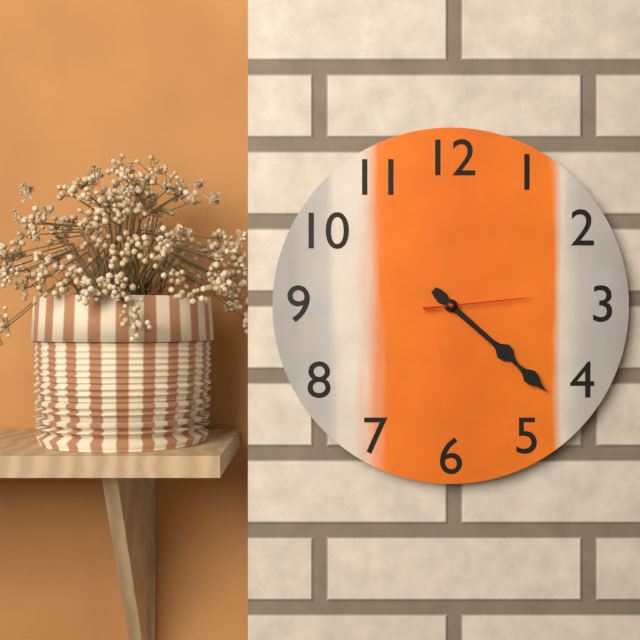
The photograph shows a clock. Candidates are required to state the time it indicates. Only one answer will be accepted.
4:22:14
